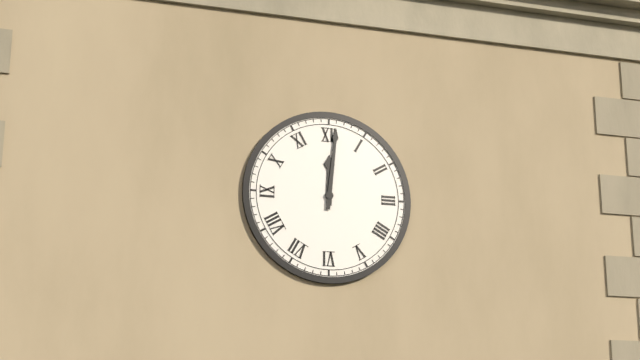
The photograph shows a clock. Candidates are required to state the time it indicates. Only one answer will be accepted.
12:01
